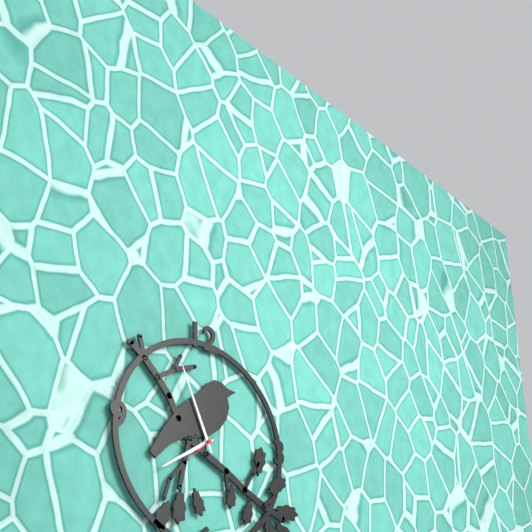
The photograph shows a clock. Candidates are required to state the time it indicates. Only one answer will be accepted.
7:56
